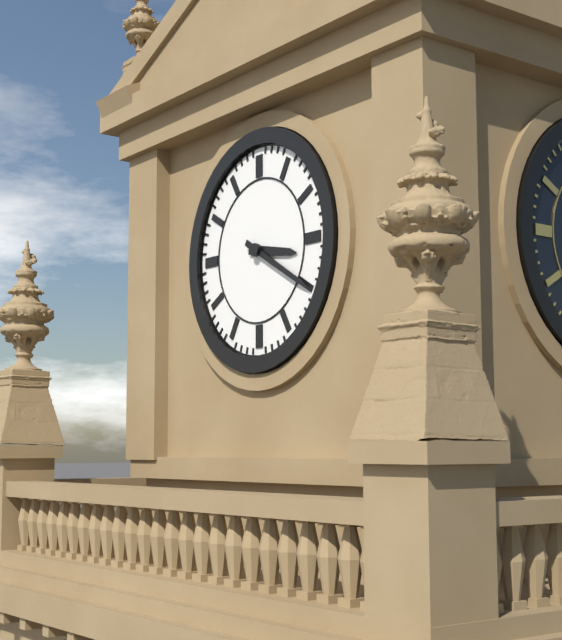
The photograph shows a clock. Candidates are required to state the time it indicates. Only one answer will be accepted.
3:20
